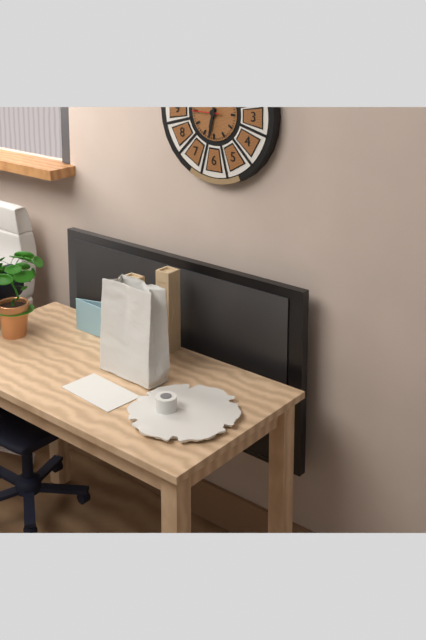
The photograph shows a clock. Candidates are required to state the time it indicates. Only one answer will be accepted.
6:32
